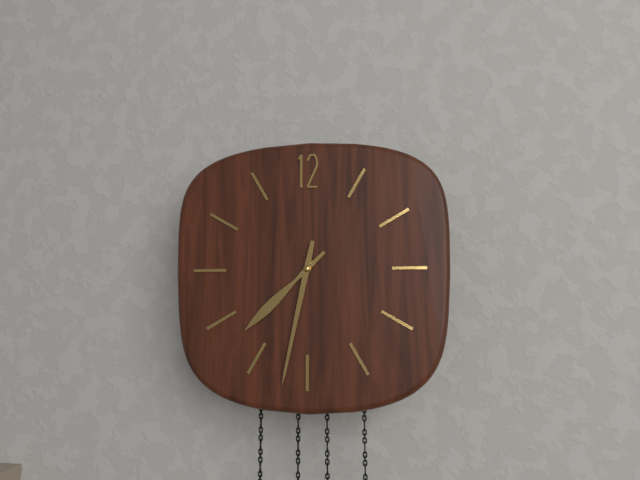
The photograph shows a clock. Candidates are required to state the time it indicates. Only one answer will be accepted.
7:32
